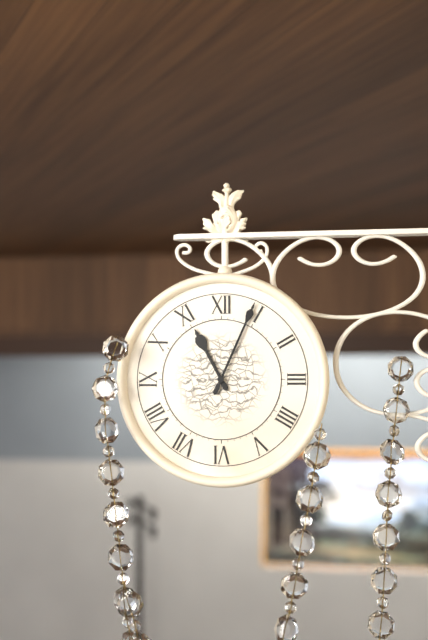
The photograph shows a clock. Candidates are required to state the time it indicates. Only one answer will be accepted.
11:04
